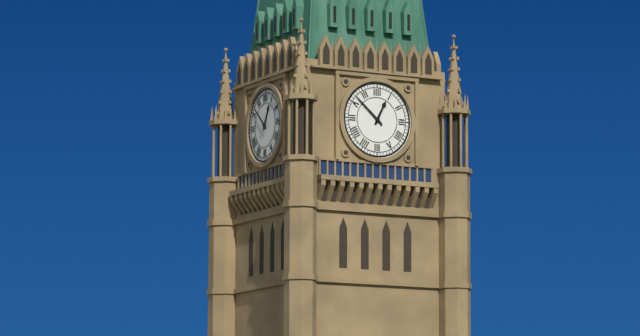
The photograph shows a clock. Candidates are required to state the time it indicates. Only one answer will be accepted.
12:52
